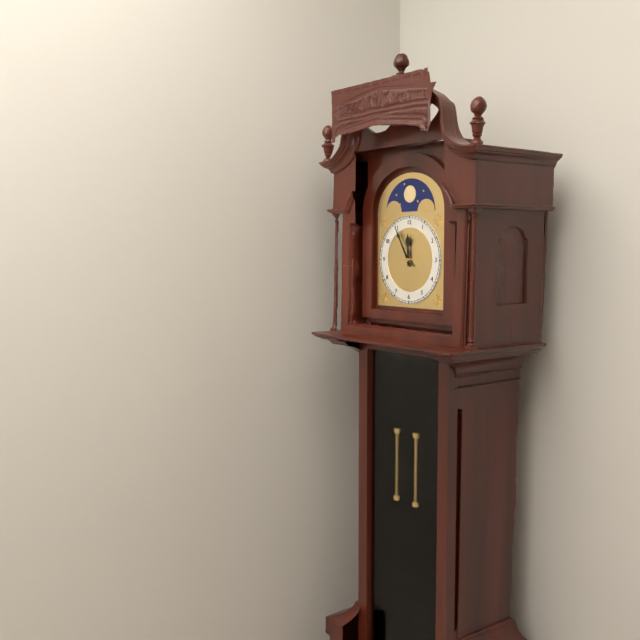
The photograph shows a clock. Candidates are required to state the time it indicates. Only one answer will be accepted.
11:55
